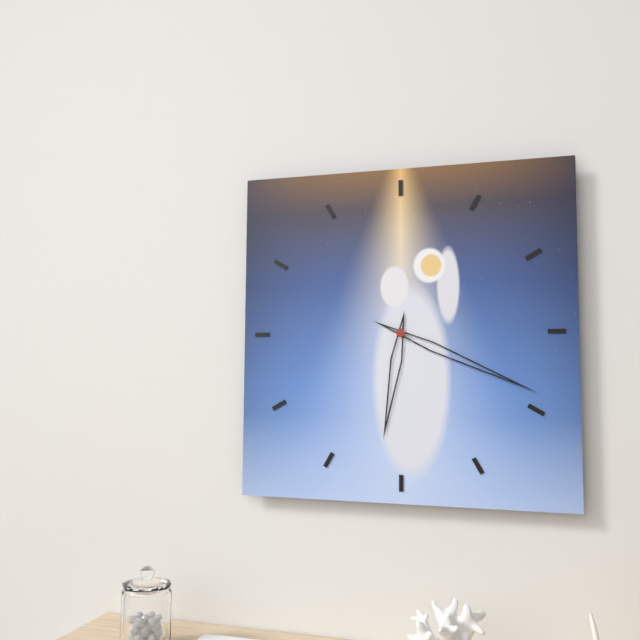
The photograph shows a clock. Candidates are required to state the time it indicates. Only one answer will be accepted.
6:19
